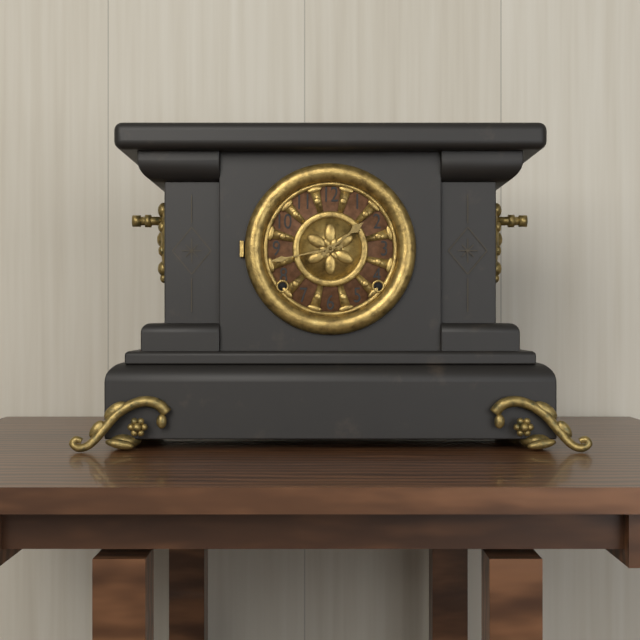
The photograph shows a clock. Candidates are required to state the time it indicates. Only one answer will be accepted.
1:43
